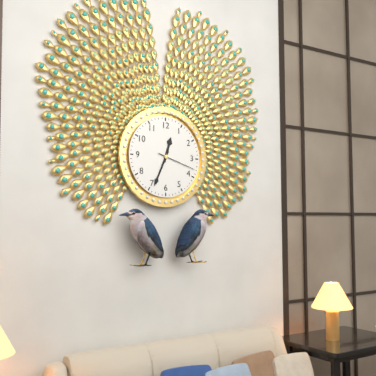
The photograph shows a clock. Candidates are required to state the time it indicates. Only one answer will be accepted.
12:34
